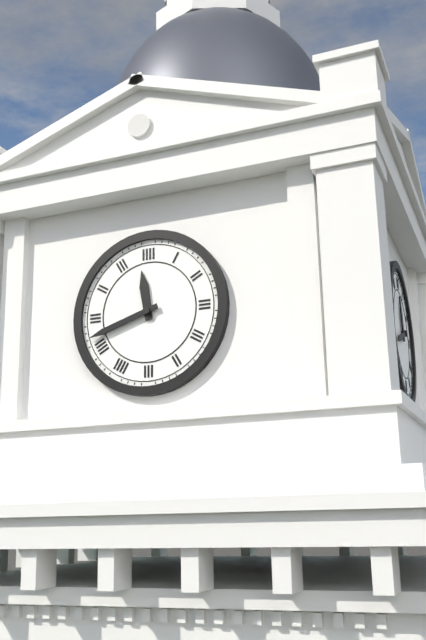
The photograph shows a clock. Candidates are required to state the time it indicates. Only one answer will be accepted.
11:42
